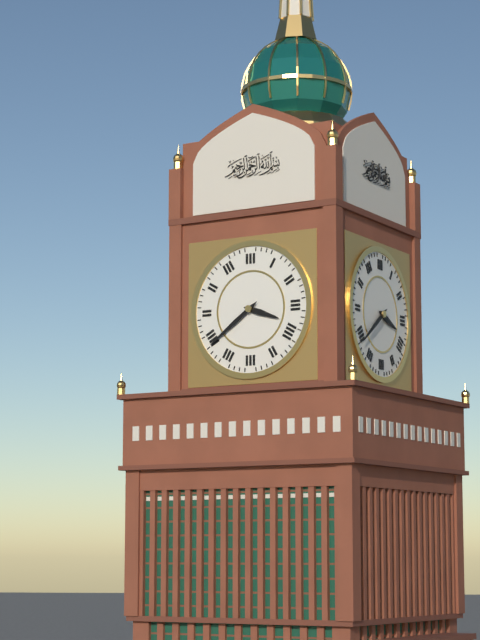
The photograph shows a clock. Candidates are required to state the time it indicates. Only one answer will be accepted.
3:39
